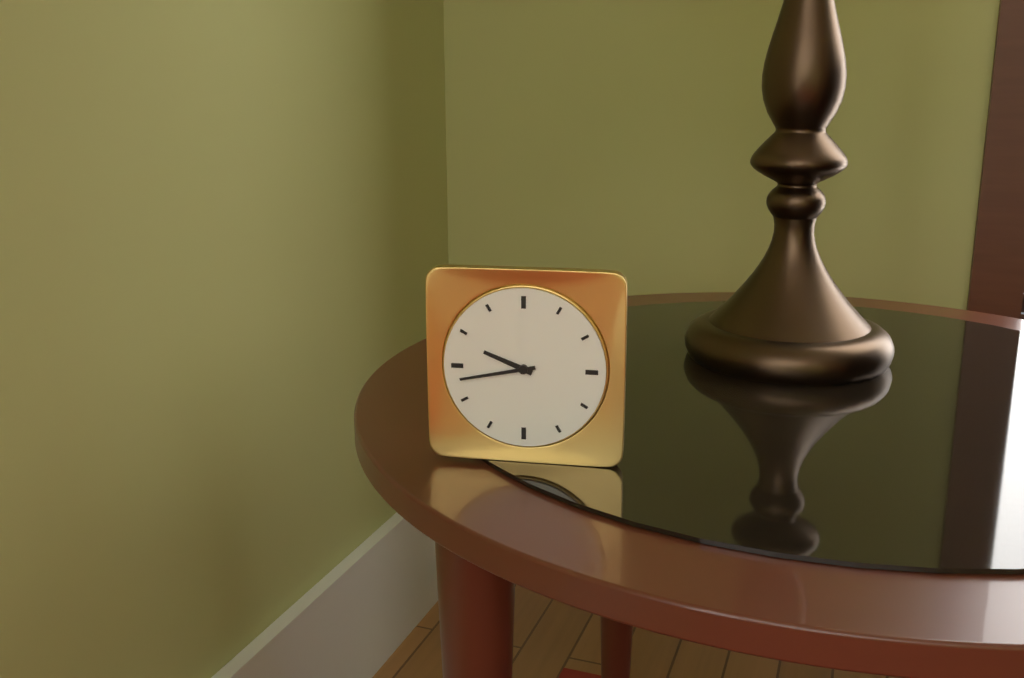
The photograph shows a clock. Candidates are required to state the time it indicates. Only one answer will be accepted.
9:43
